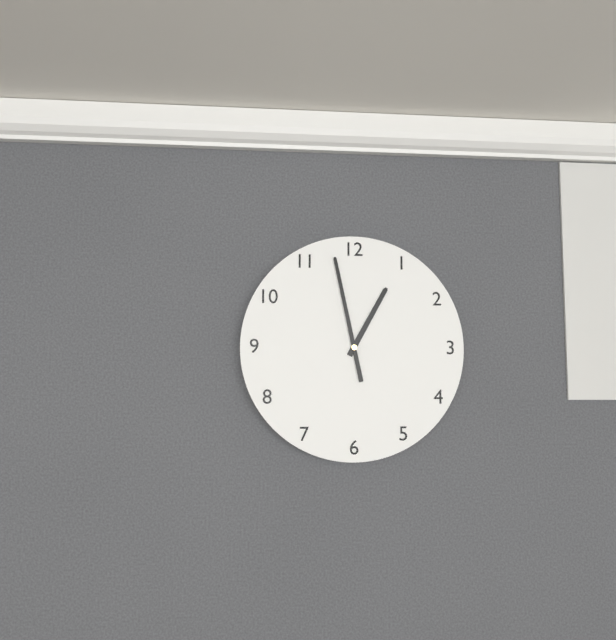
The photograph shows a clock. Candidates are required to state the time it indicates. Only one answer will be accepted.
12:58
